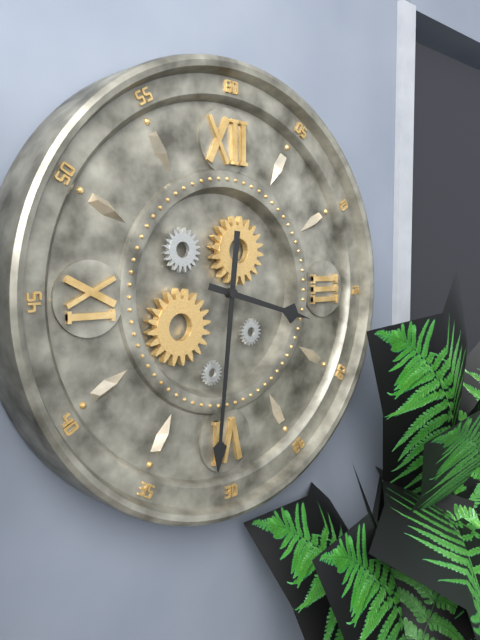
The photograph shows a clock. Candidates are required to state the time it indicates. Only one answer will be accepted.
3:31
